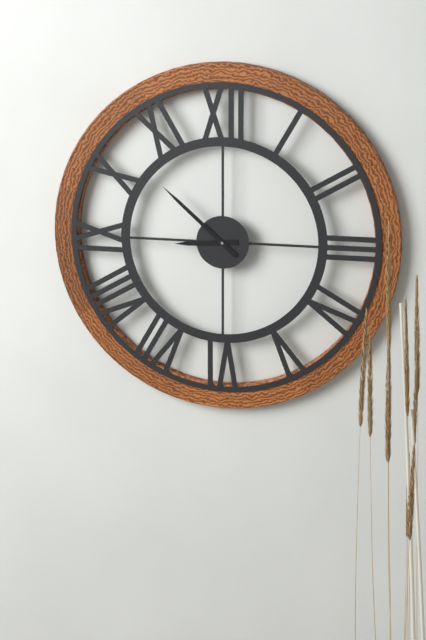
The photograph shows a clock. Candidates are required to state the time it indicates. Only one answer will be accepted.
8:52
